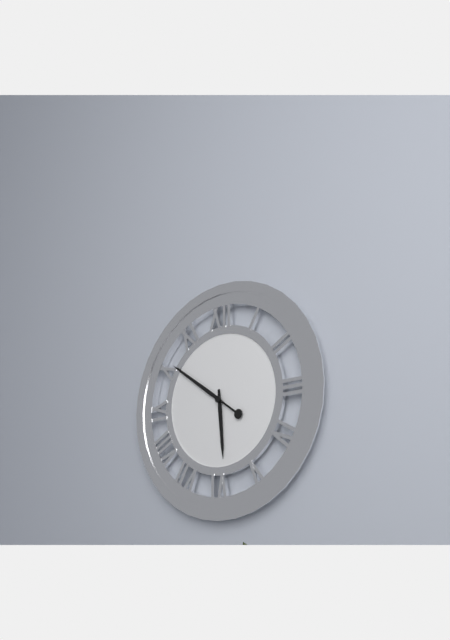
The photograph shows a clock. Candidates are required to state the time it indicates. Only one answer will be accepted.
5:51
